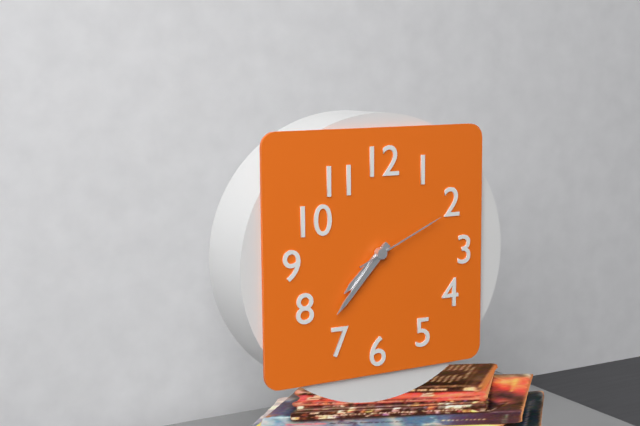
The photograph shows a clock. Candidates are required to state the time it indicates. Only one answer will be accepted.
7:37:11
